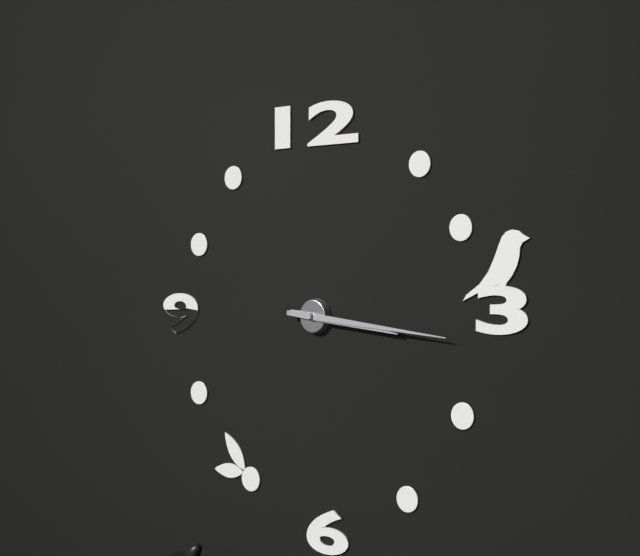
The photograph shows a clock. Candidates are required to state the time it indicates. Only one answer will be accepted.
3:16
